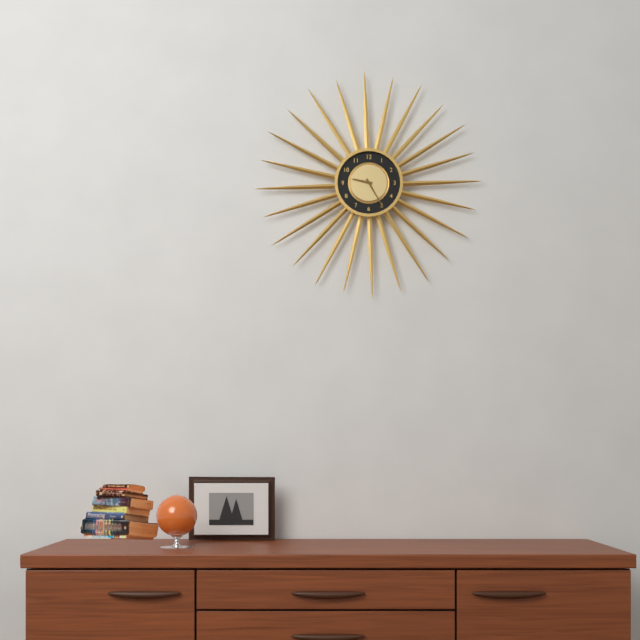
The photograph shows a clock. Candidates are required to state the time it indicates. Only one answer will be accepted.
9:25
